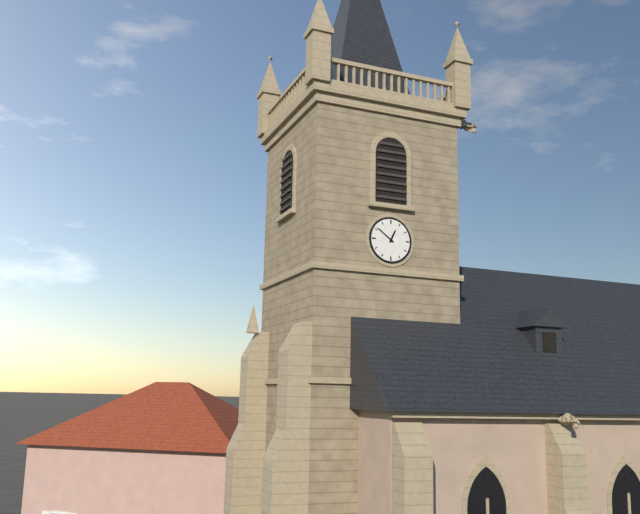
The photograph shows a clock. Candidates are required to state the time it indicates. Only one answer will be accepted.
12:51
